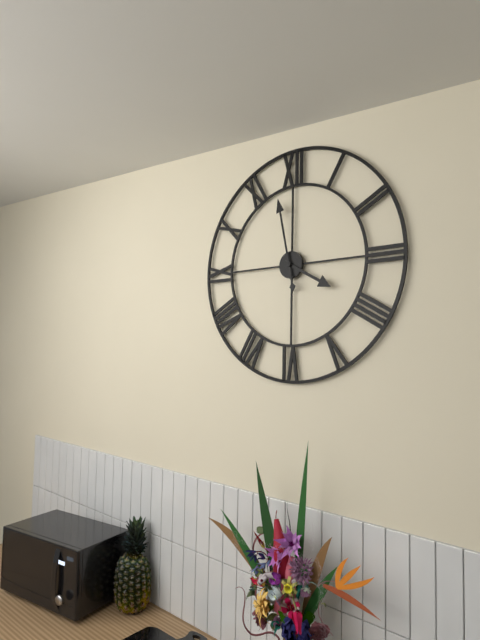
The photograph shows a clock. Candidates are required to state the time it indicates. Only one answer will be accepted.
3:58
